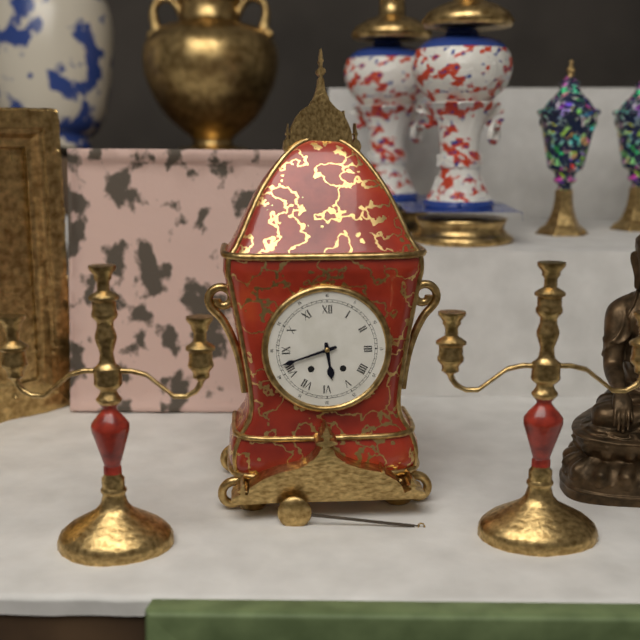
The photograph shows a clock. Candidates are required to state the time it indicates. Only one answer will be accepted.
5:42
